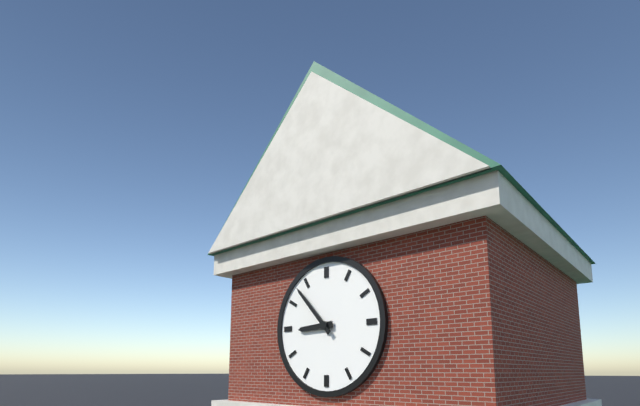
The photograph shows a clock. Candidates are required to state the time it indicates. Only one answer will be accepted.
8:53
